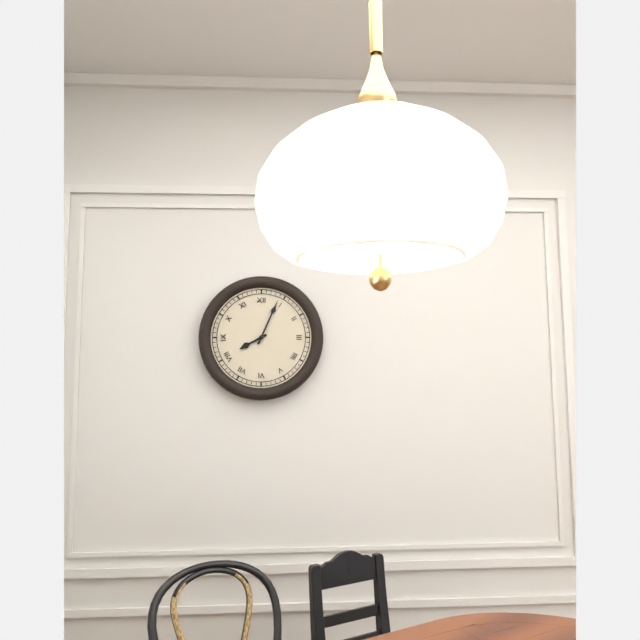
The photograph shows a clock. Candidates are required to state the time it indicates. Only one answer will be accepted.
8:04
